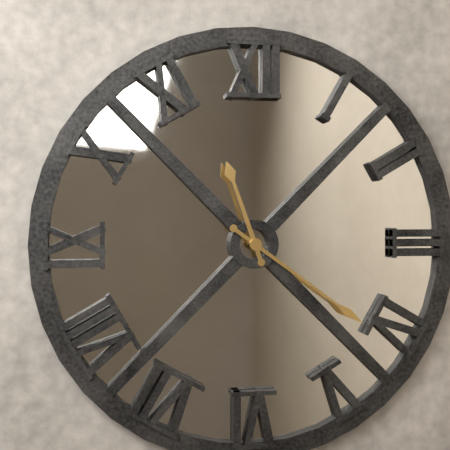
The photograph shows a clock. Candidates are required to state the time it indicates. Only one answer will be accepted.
11:21
